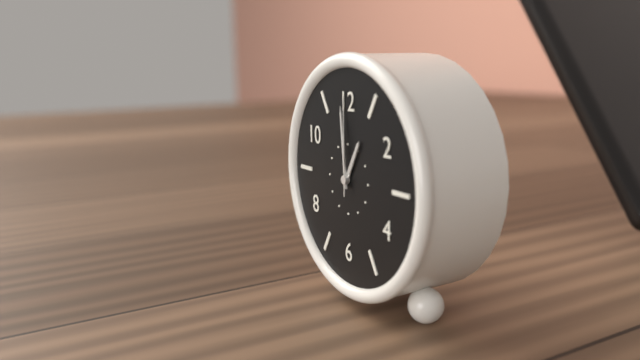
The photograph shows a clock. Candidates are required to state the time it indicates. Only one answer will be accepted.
12:59:00
